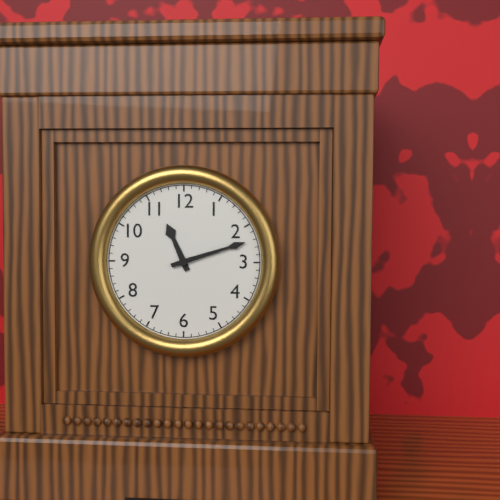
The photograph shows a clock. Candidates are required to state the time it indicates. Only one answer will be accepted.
11:12
